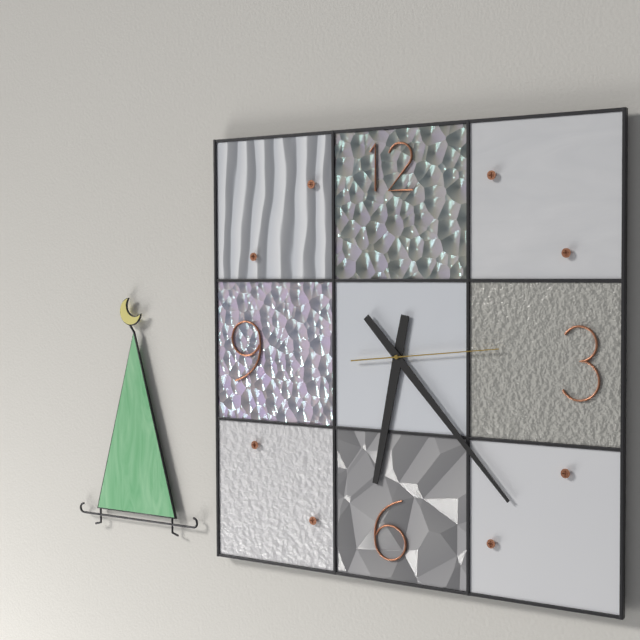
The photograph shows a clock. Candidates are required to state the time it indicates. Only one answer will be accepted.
6:23:14
